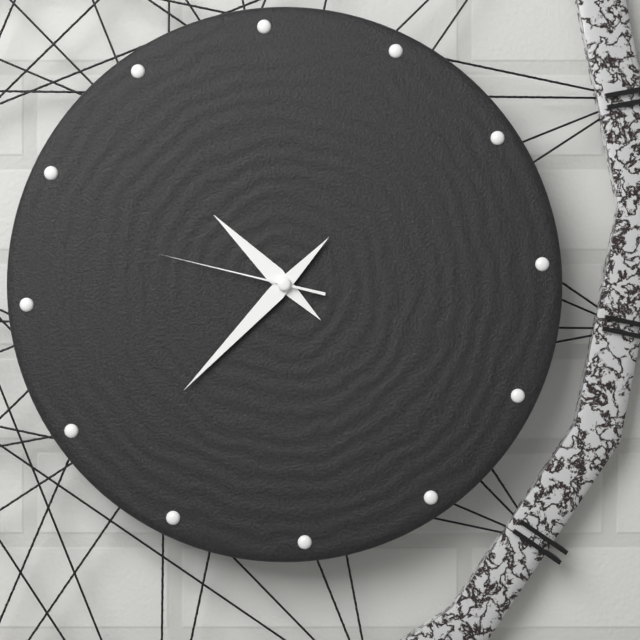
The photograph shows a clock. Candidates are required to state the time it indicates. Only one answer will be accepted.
10:38:48
